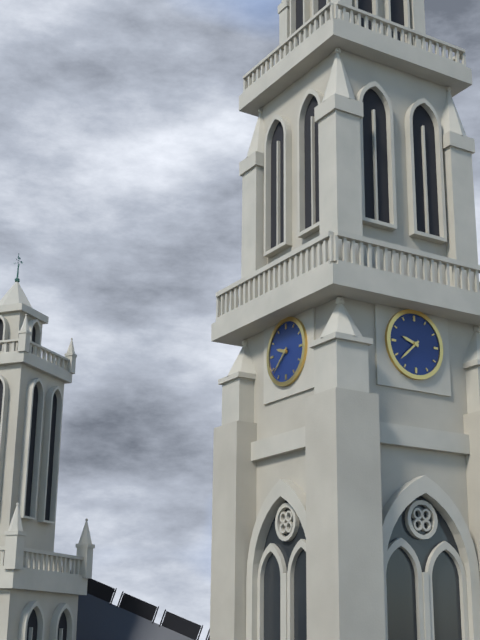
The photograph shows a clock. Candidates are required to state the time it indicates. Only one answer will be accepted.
9:38
